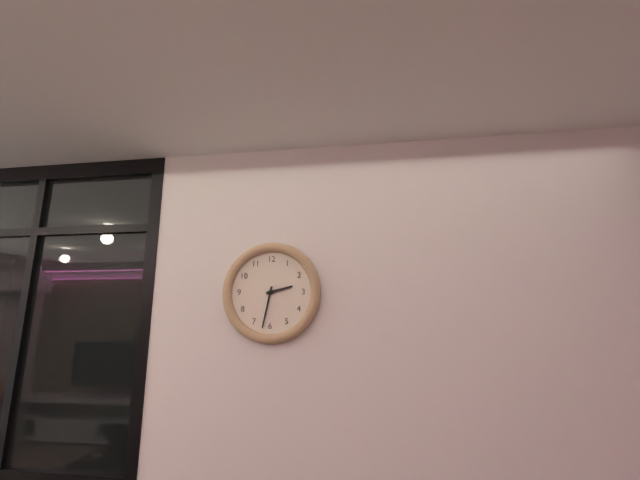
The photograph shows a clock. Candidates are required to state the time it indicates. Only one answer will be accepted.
2:32
